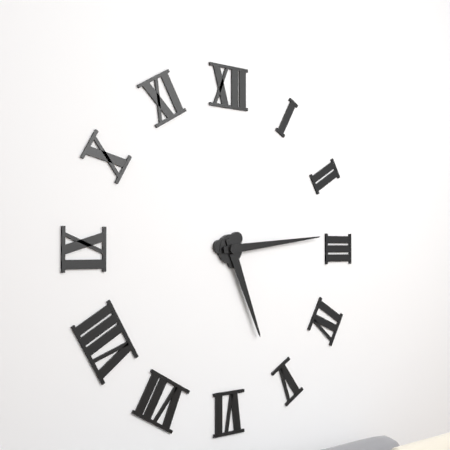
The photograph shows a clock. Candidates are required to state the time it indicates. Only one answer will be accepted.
5:14
